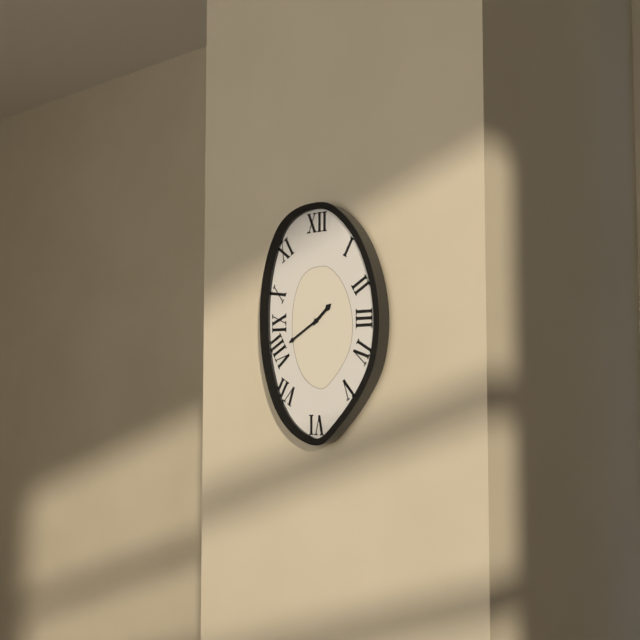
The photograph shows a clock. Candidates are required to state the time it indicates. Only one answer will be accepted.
1:40
